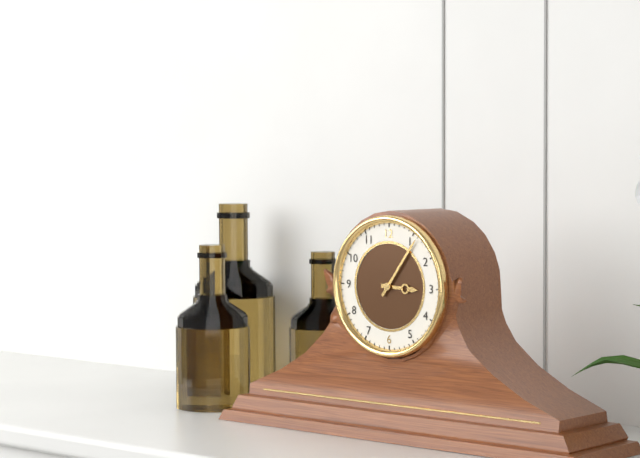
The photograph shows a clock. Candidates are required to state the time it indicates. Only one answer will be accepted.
3:06
